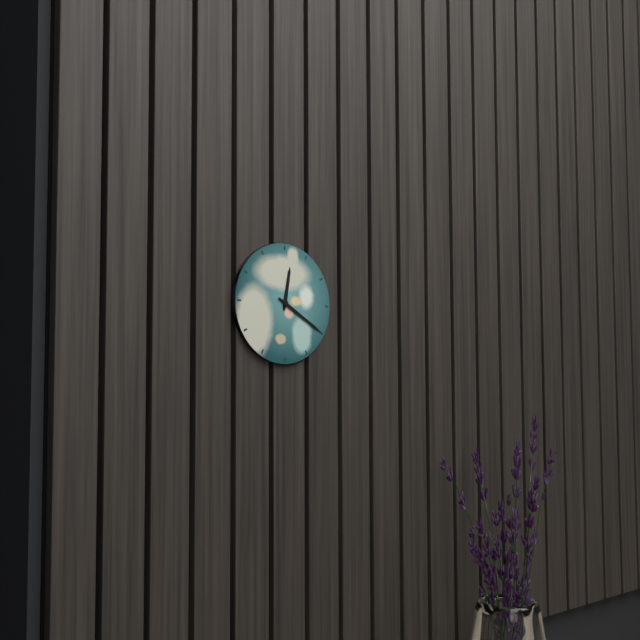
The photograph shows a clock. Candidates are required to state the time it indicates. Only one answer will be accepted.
12:20
